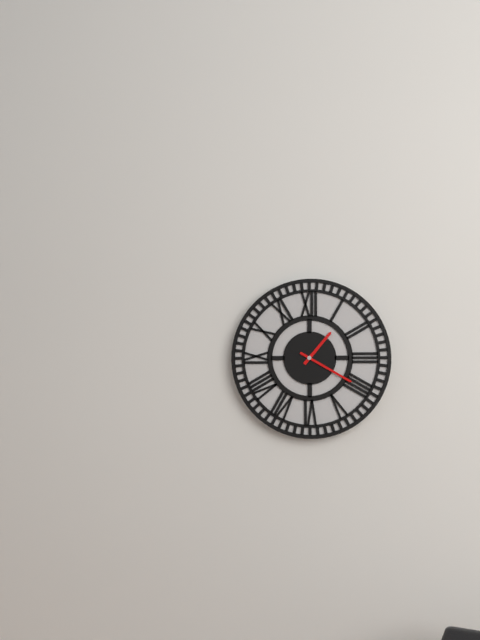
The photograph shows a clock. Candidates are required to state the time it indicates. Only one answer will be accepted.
1:20
